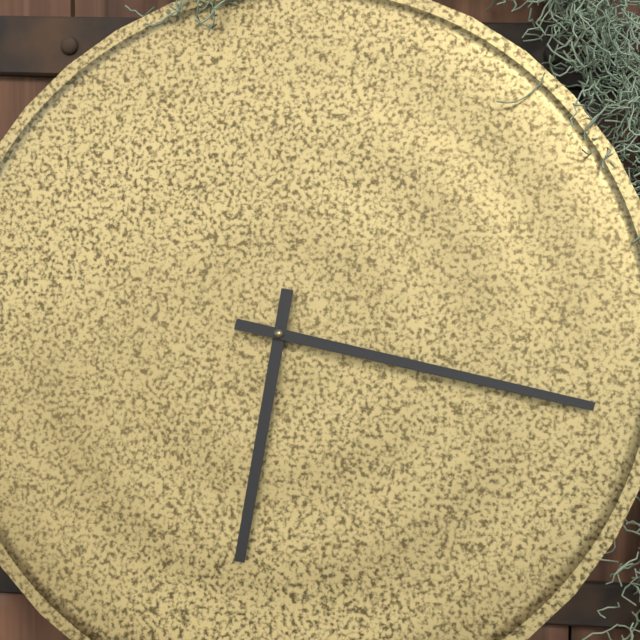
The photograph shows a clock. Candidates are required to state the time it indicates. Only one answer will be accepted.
6:17
